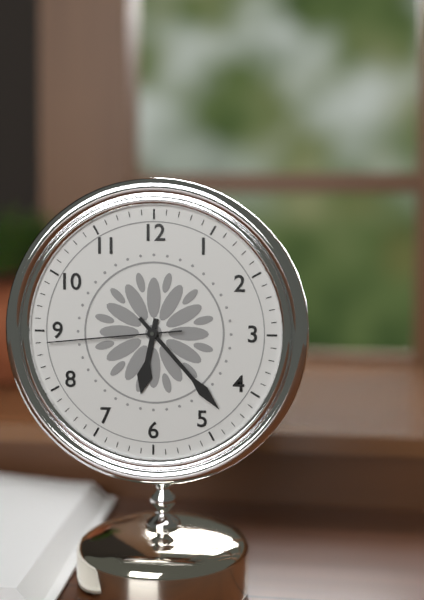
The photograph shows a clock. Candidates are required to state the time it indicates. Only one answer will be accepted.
6:23:44
